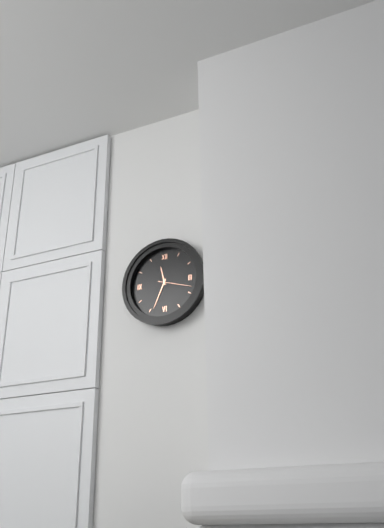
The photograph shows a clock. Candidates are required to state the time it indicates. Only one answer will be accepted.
11:34
